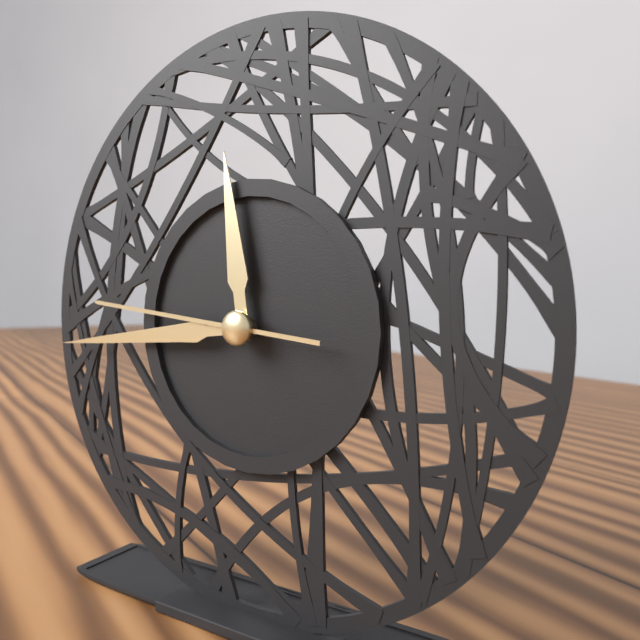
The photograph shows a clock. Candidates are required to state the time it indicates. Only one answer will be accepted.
11:44:46
